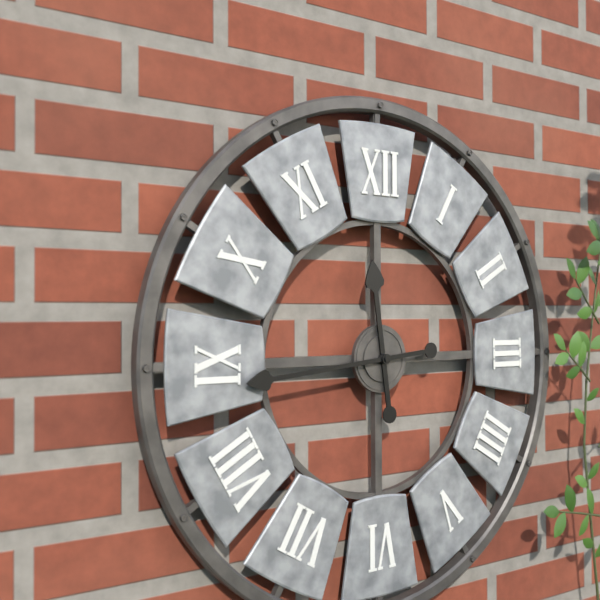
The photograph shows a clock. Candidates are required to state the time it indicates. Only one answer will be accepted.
11:44
